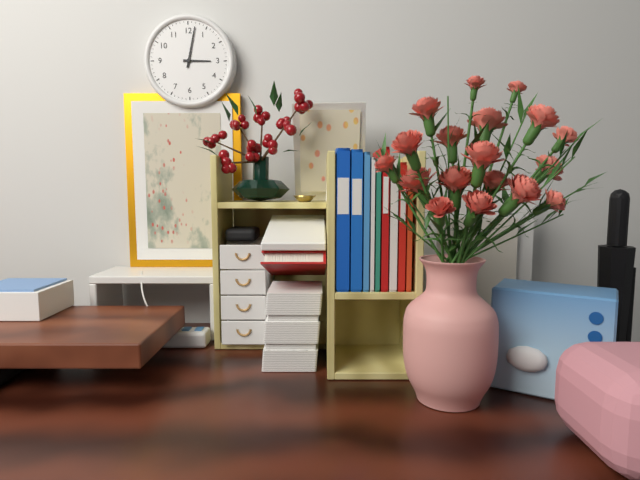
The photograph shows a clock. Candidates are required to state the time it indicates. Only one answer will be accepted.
3:02
